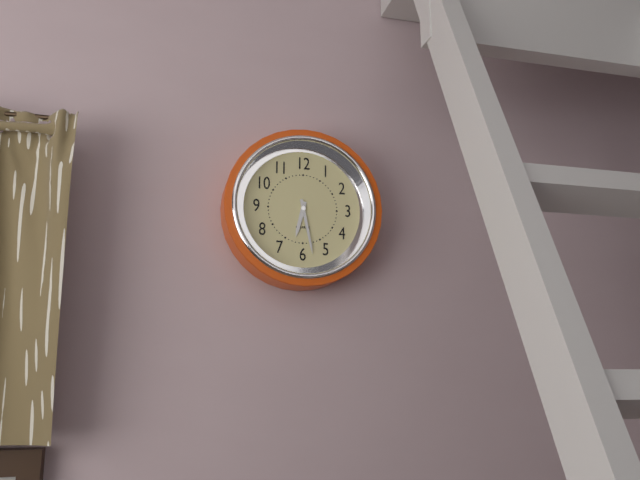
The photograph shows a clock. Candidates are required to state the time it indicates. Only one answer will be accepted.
6:28
